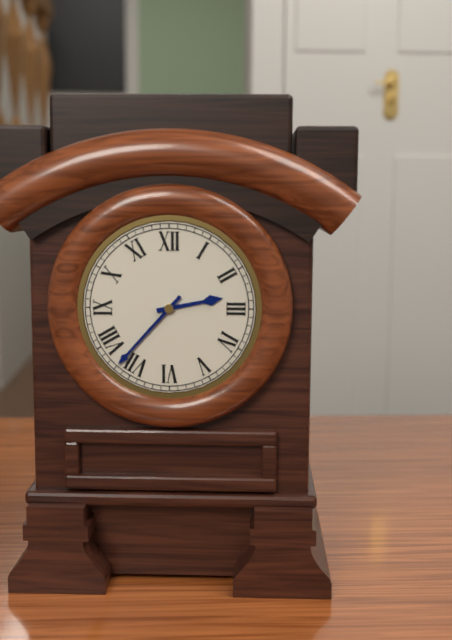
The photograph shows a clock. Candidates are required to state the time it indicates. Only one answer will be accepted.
2:37
